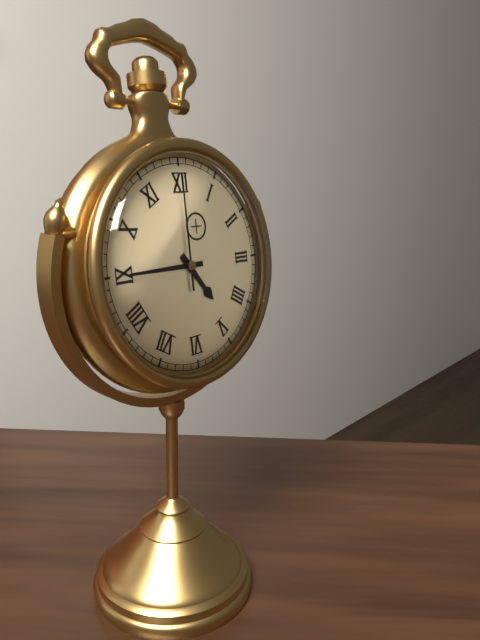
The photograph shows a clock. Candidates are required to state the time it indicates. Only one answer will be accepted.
4:45:00
